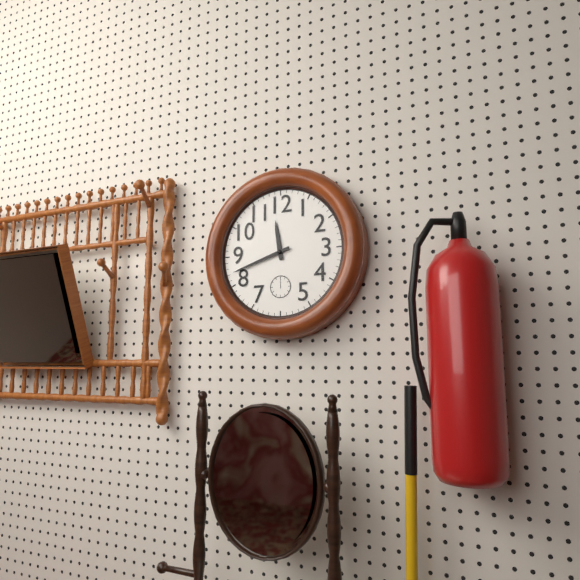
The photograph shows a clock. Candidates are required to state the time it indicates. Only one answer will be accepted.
11:42
